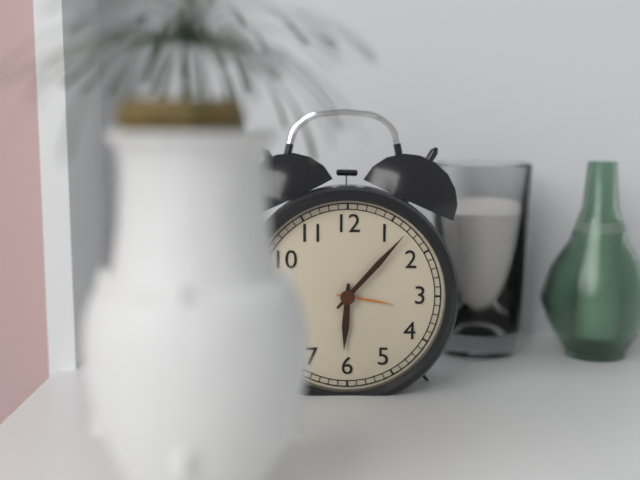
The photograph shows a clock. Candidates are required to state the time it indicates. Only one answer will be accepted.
6:07
